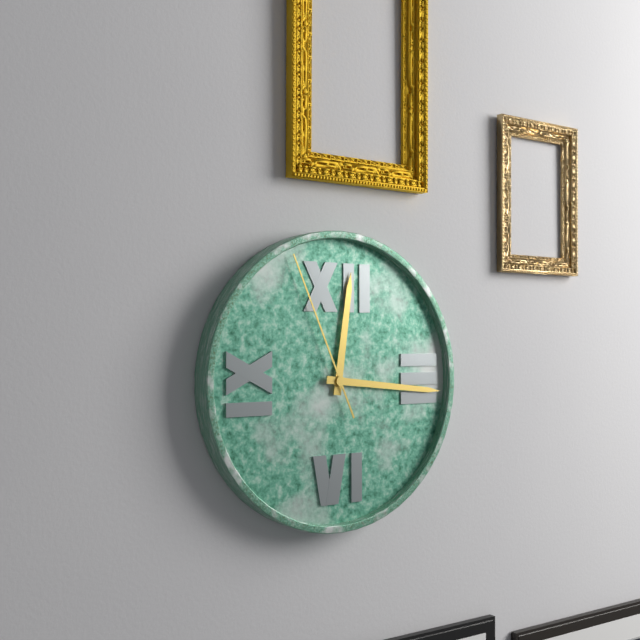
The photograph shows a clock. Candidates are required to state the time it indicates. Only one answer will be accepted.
12:16:56
